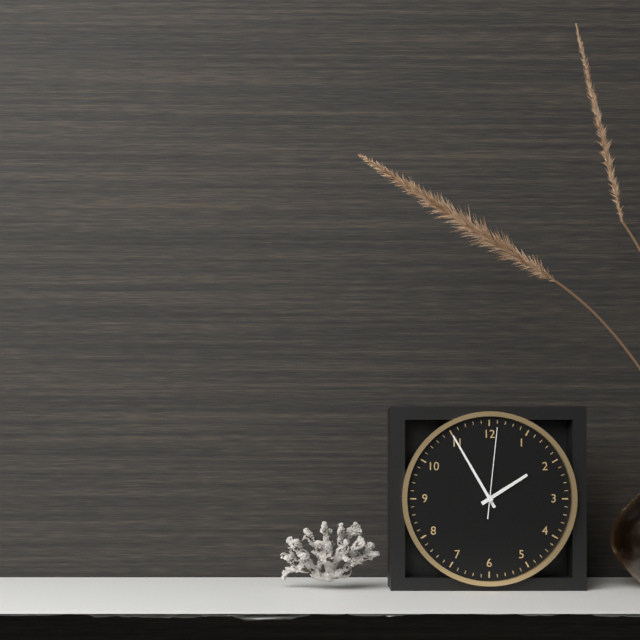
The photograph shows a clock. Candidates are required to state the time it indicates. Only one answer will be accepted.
1:55:01
